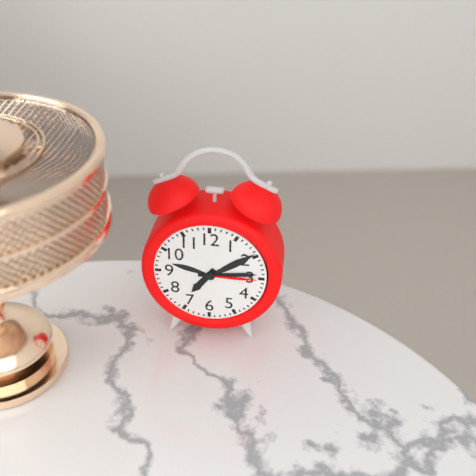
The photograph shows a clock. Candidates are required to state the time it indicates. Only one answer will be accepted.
7:14
